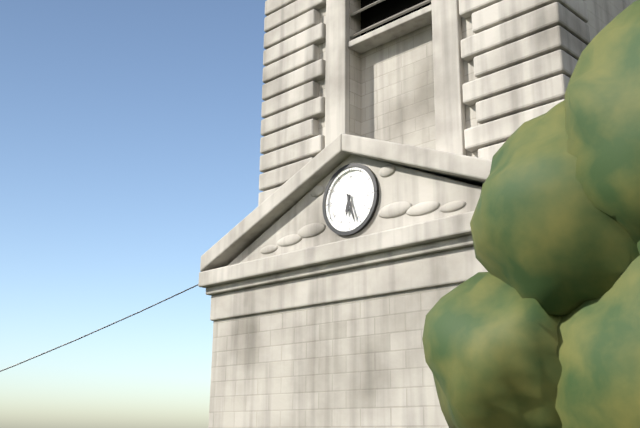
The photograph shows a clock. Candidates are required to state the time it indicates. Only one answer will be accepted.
6:27
